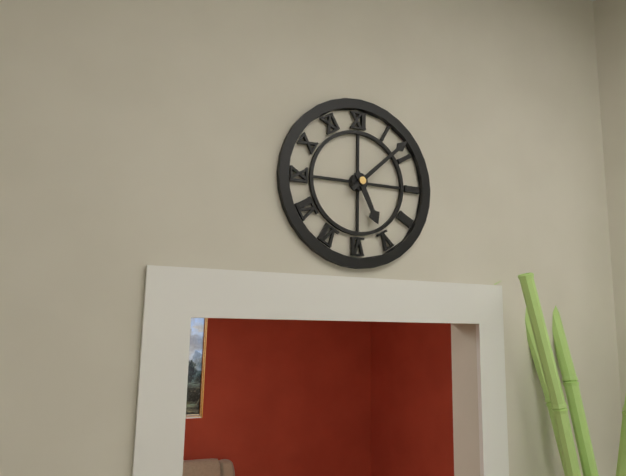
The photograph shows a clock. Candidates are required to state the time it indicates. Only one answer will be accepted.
5:08
